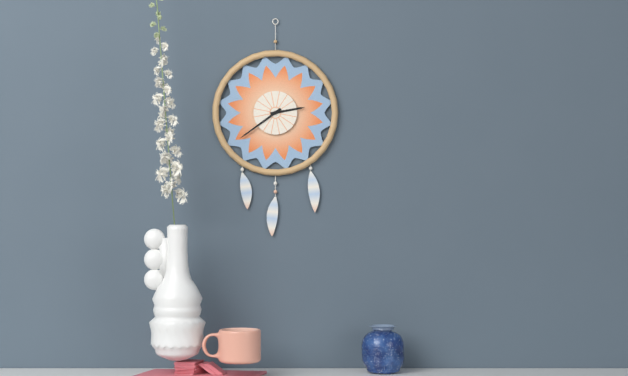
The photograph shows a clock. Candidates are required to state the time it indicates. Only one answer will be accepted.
2:39
